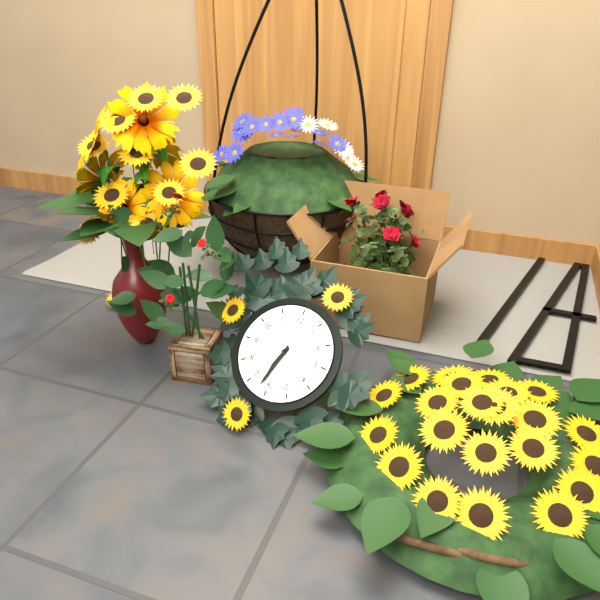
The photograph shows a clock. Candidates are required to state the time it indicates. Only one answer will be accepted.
6:32
